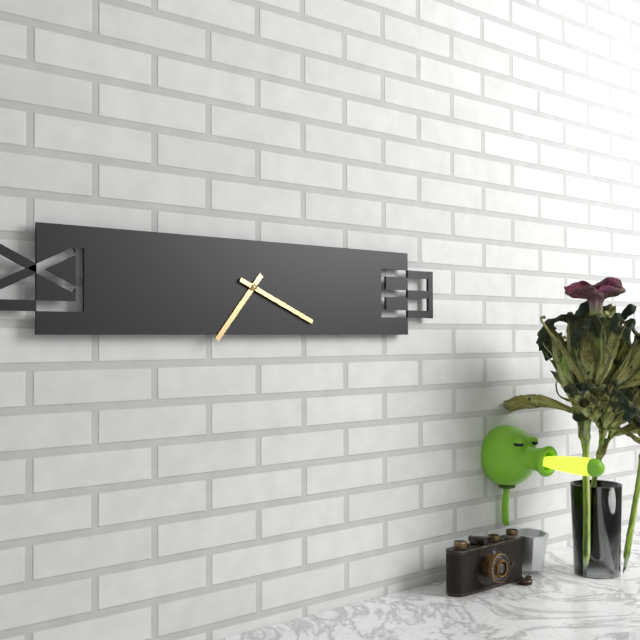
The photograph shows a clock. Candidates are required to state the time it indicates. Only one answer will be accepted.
7:19
